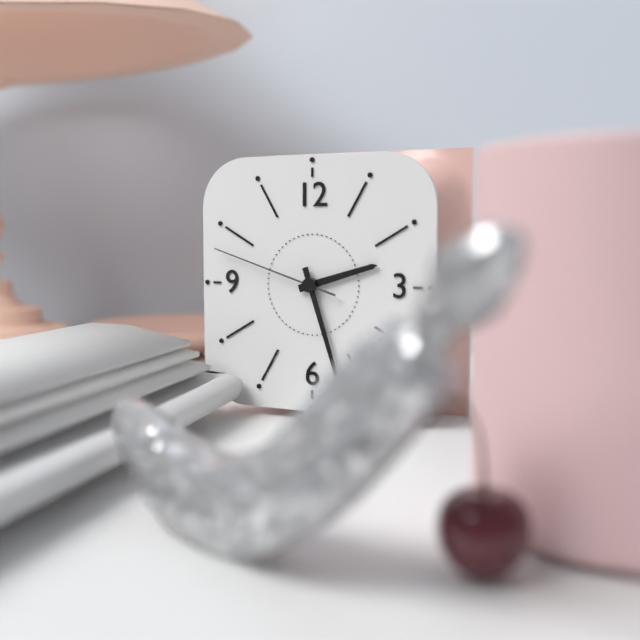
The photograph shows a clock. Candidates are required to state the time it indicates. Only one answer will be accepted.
2:27:48
